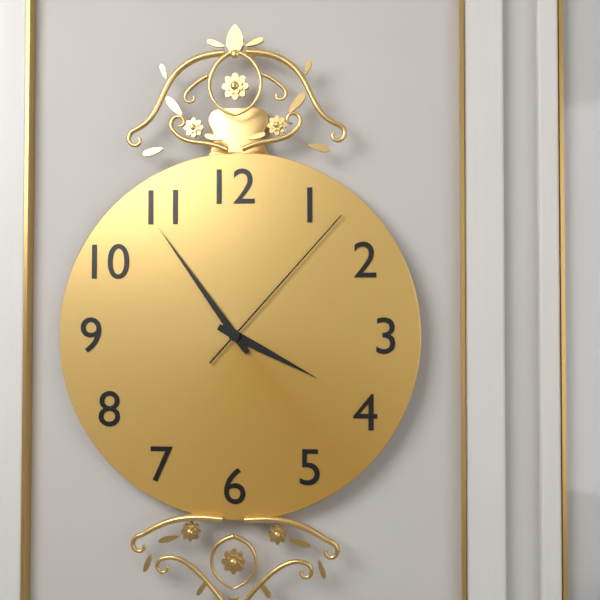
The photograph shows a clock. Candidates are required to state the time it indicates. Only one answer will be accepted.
3:54:07
